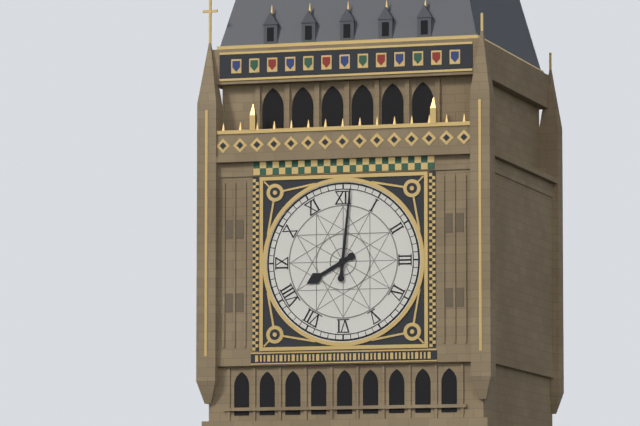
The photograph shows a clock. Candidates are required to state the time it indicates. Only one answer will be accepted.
8:01
